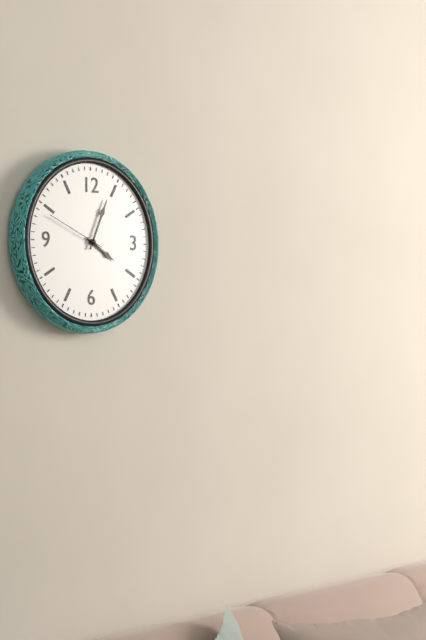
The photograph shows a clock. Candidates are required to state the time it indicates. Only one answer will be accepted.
4:04:49
